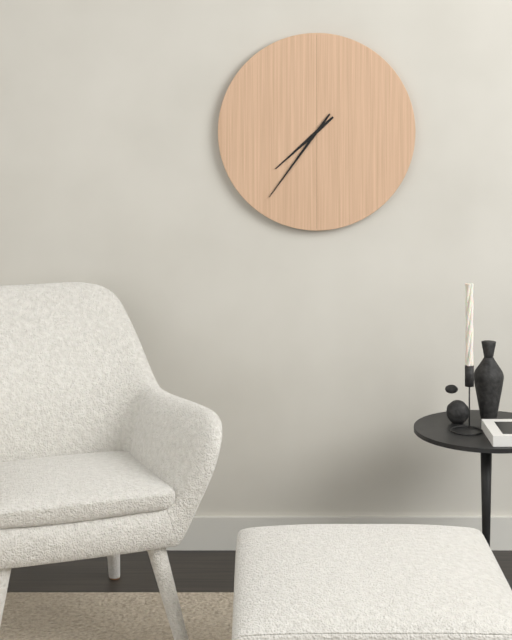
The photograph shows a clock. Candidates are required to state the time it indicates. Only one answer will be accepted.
7:36
